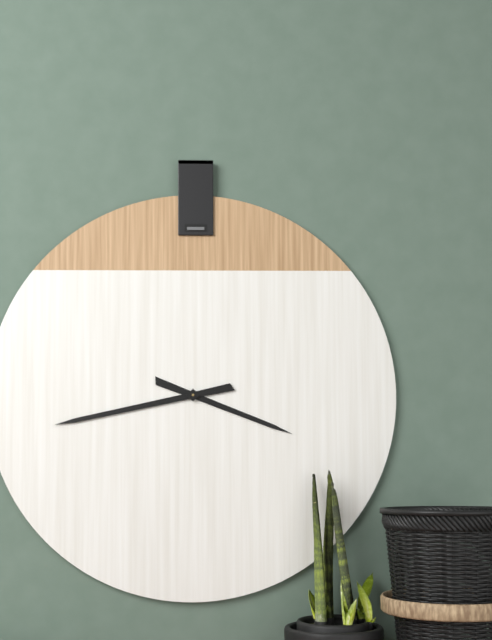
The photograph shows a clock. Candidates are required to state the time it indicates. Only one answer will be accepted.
3:43
